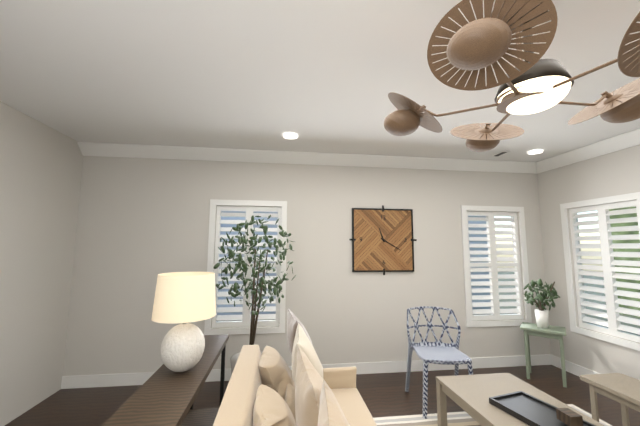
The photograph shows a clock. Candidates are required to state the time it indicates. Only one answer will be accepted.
11:20
